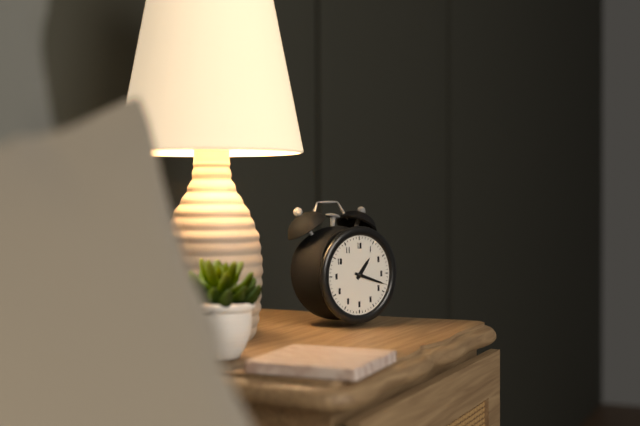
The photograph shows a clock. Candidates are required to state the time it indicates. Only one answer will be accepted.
1:18
